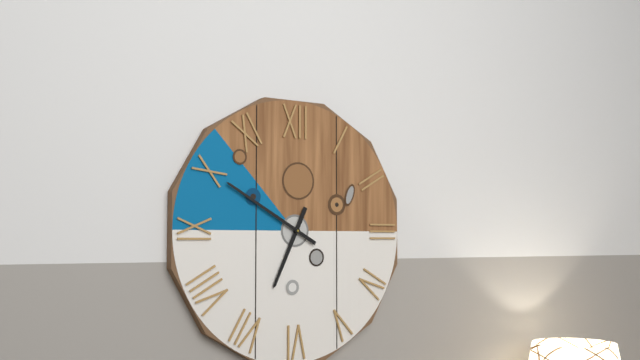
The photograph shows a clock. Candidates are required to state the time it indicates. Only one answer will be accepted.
6:50
